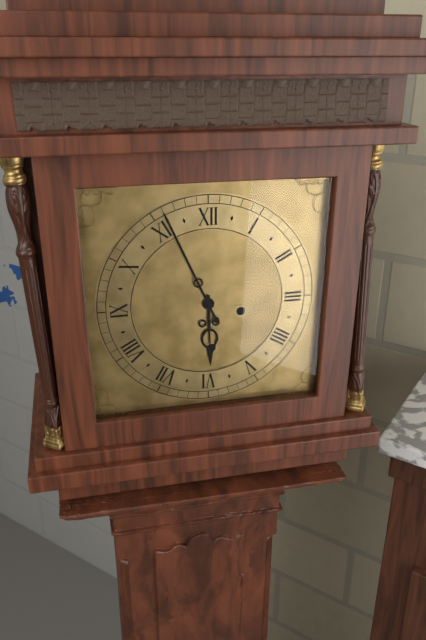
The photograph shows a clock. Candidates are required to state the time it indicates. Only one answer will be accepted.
5:56
